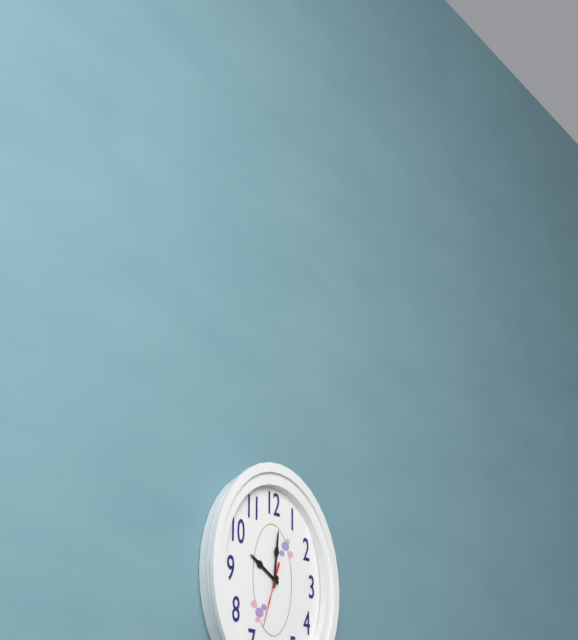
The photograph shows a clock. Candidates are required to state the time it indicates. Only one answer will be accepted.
10:01:33
